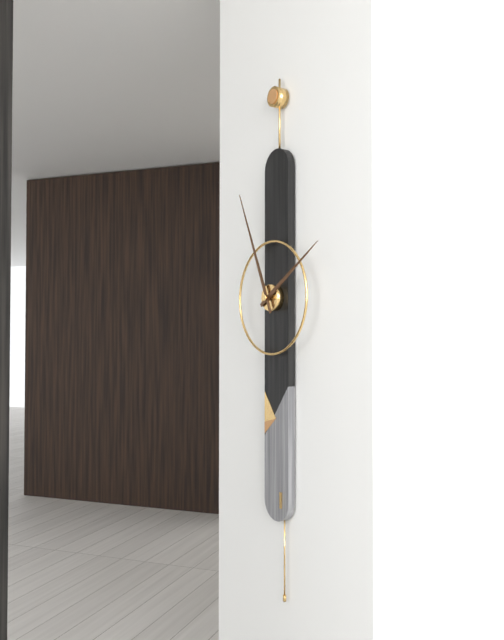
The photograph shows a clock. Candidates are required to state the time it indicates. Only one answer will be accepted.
1:56
